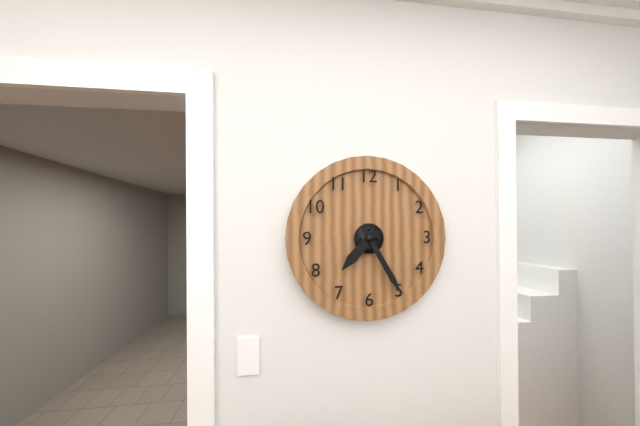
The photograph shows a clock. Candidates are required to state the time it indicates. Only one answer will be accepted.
7:25
